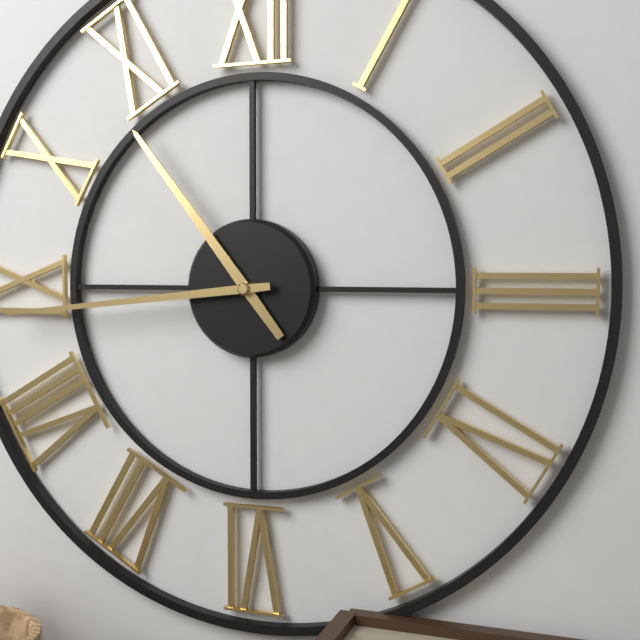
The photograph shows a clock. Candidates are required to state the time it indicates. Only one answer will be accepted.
10:44
